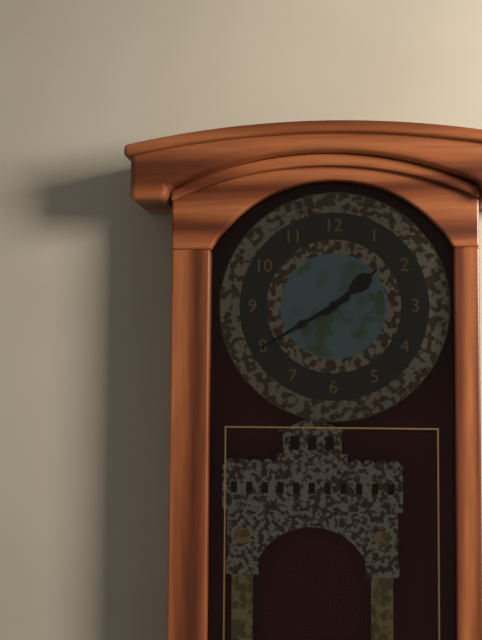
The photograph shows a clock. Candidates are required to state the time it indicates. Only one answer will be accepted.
1:40
